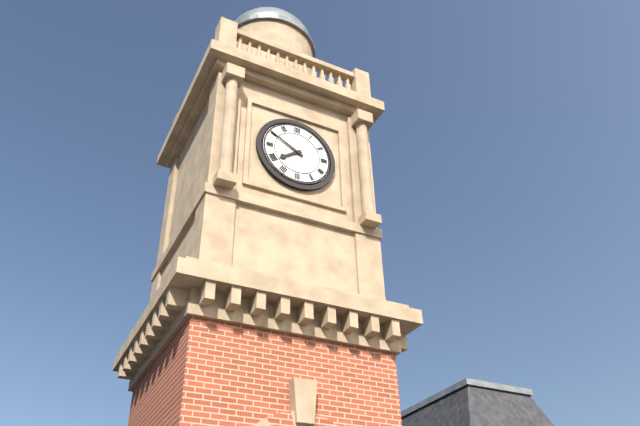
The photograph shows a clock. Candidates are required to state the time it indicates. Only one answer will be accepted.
7:50
